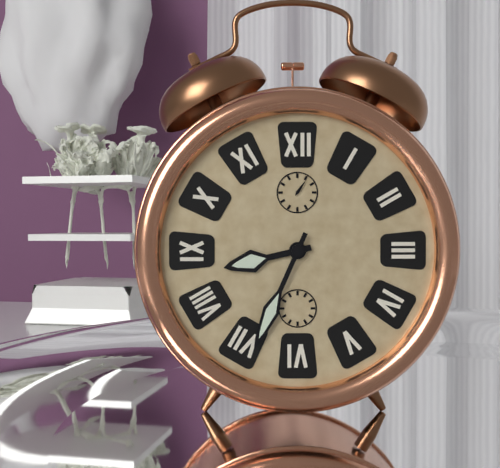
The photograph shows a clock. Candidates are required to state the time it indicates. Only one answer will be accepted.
8:34
